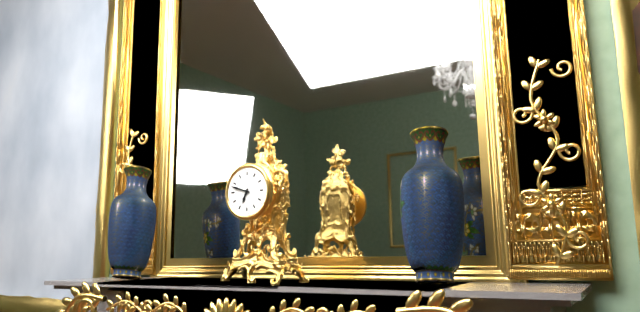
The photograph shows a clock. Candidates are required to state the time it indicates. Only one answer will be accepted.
6:48
